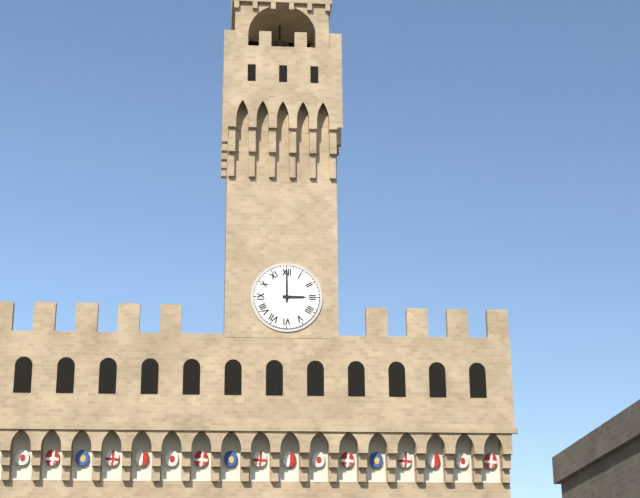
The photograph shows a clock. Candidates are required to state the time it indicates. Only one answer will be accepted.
3:00
